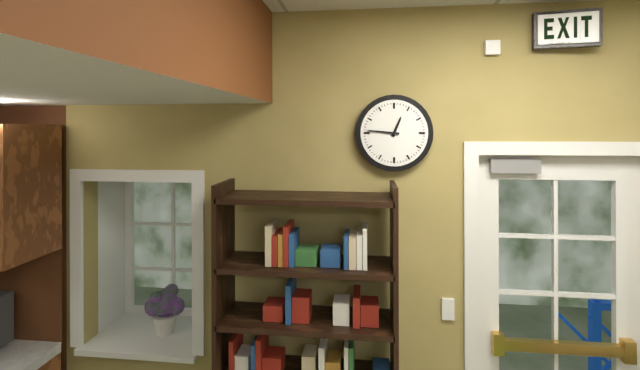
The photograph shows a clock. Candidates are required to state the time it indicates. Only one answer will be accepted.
12:46
